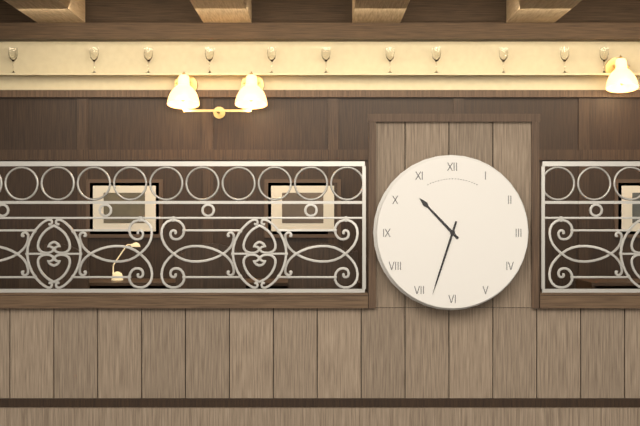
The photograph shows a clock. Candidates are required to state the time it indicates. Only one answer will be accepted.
10:33
